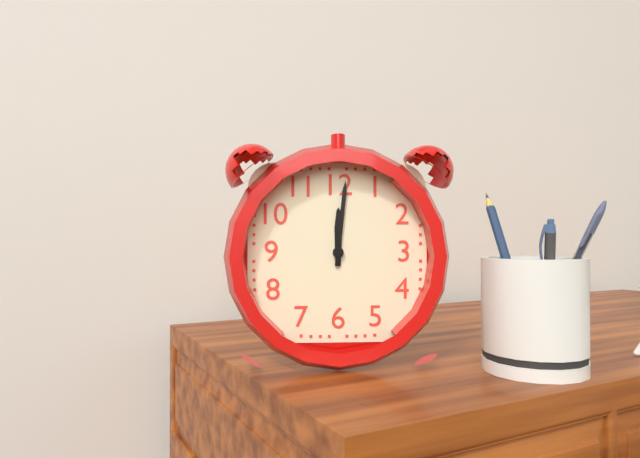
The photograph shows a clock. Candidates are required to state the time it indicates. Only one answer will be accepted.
12:01
